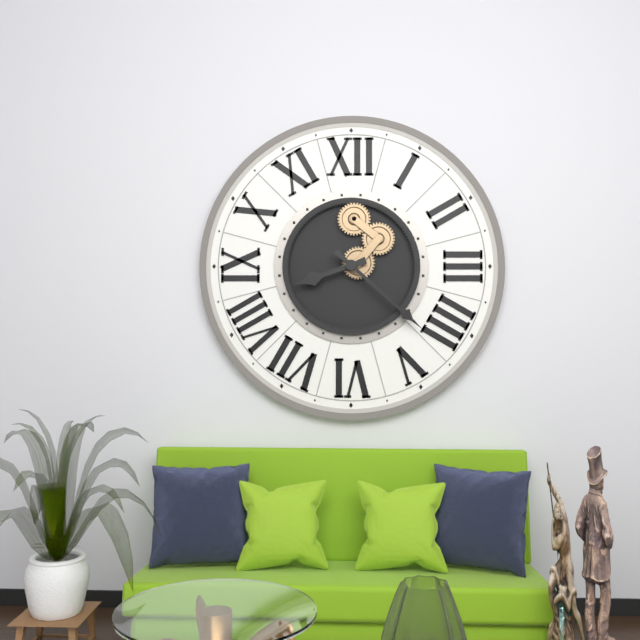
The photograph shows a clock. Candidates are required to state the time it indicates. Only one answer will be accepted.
8:22
